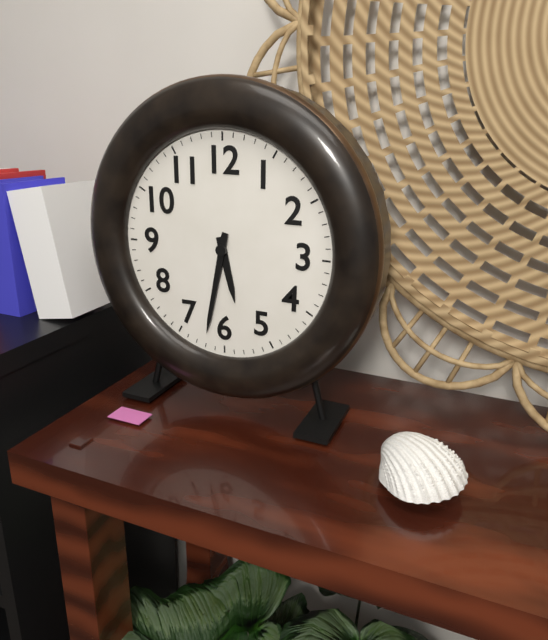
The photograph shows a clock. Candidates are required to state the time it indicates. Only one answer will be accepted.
5:32
